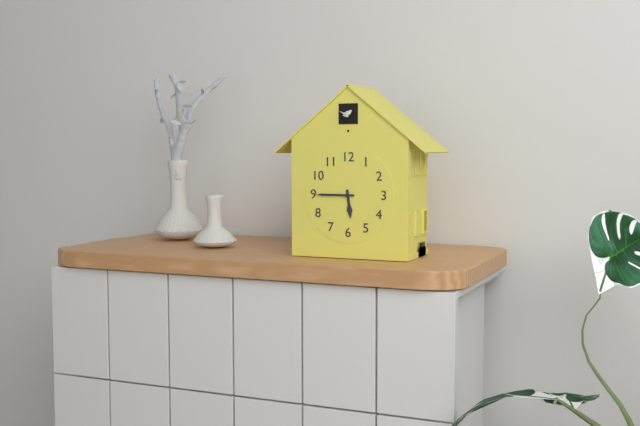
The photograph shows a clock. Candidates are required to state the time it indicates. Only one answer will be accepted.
5:45
